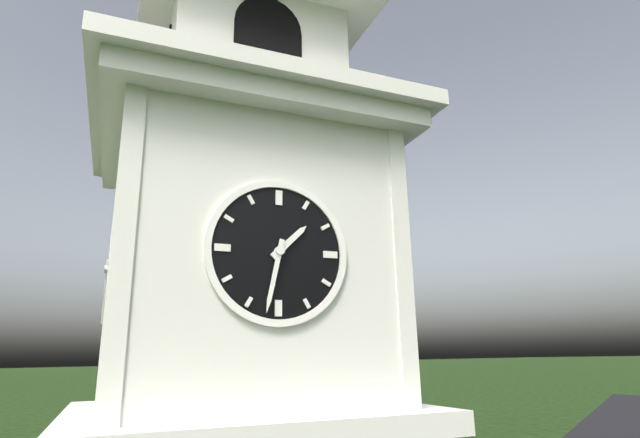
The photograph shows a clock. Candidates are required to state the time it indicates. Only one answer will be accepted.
1:32
